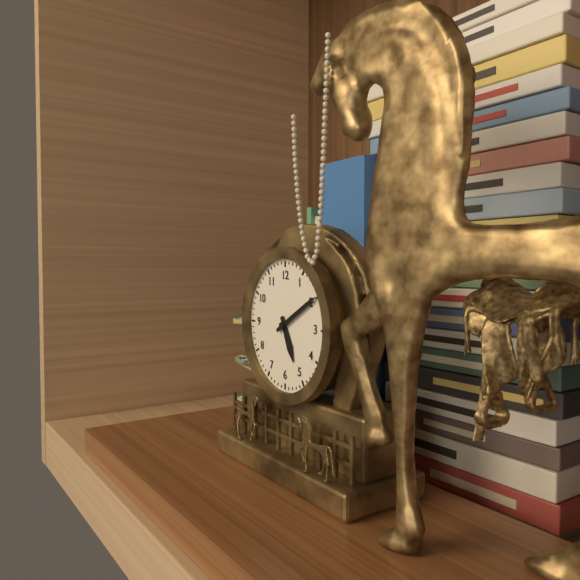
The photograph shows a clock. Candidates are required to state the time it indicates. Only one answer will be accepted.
5:10
